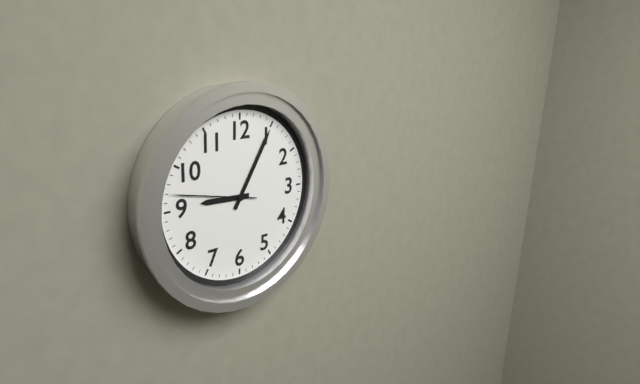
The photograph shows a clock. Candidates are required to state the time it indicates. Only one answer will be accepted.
9:05:47
